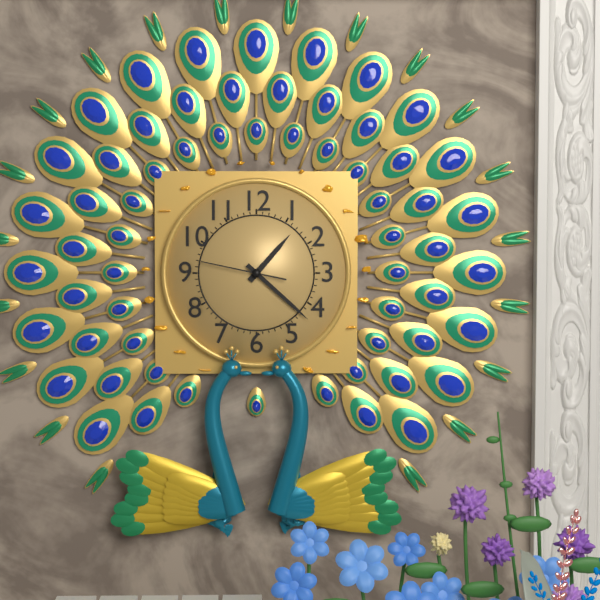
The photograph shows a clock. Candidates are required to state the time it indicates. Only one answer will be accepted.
1:22:47
